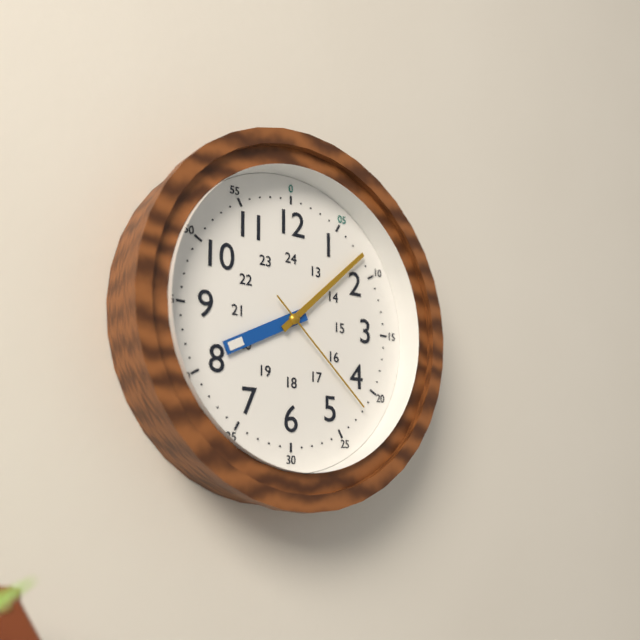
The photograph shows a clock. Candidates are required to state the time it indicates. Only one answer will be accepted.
8:08:22
